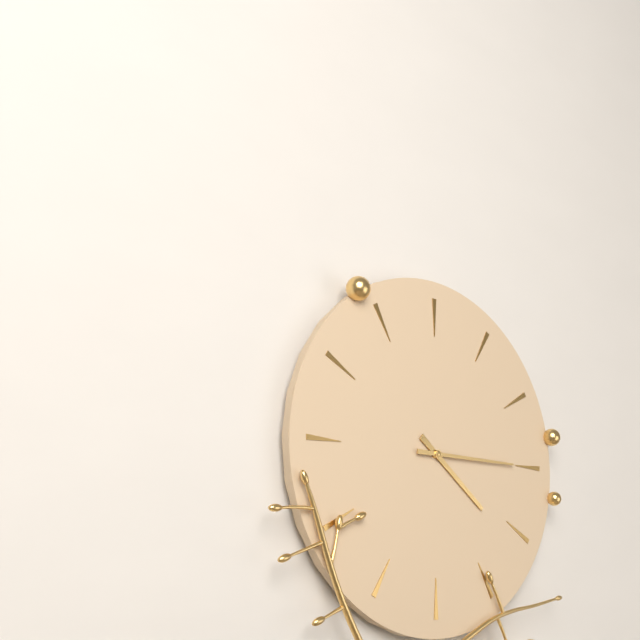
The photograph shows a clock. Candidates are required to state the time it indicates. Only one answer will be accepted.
4:15
